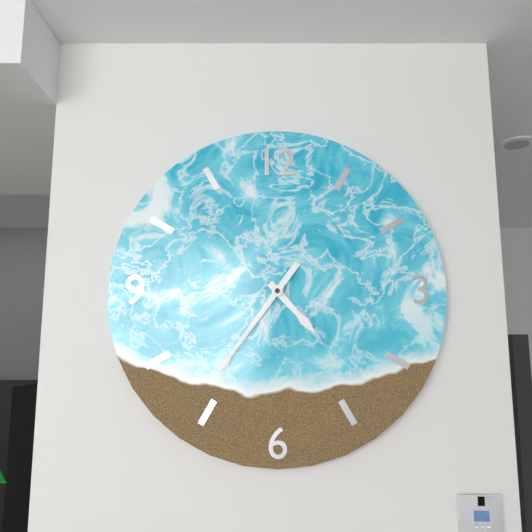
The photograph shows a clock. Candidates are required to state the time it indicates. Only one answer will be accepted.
4:36
